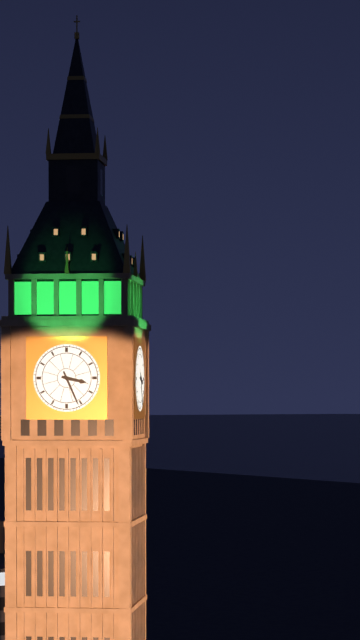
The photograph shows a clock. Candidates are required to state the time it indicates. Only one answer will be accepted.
3:26
